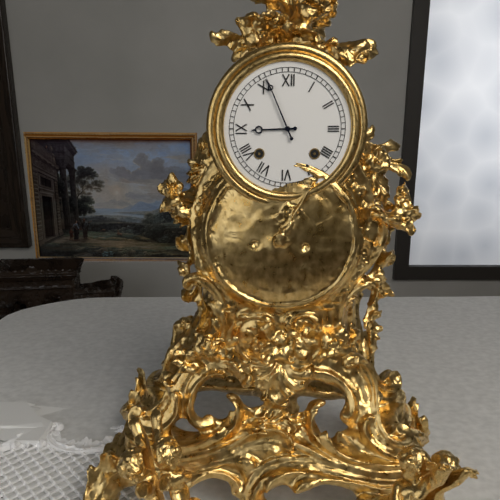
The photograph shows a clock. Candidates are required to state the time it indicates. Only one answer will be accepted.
8:56
